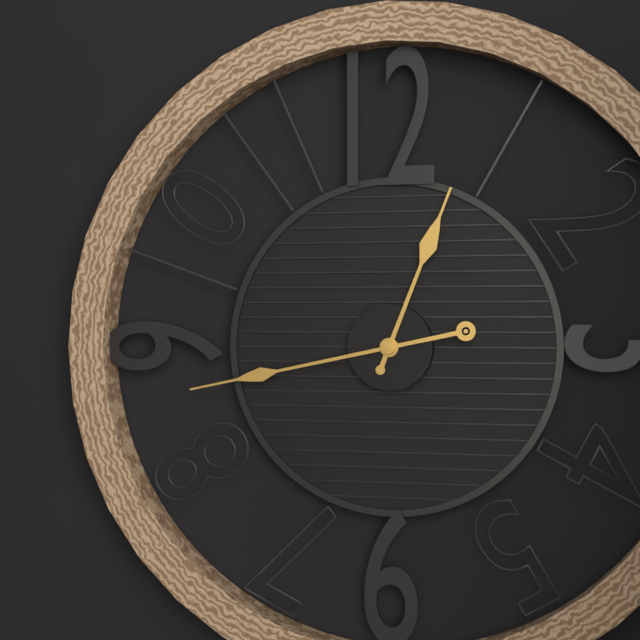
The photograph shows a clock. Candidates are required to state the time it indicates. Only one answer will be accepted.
12:43
